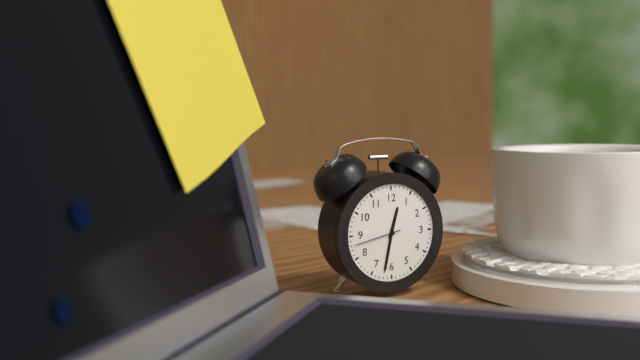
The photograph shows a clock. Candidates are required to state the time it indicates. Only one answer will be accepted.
12:32:43
